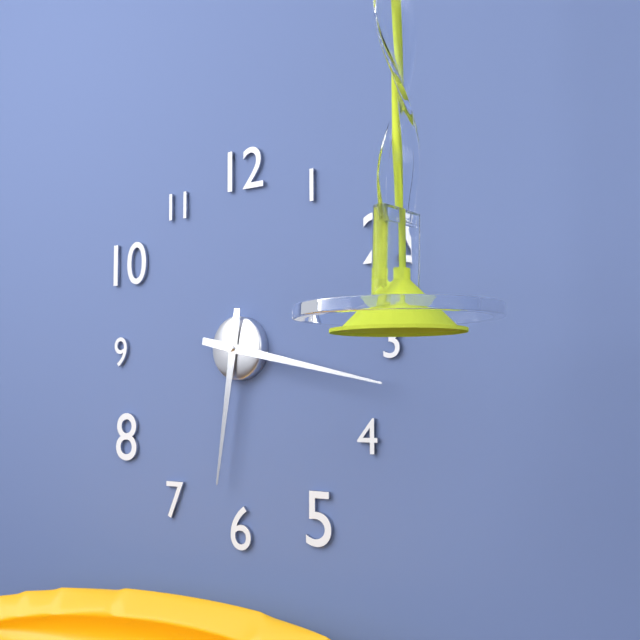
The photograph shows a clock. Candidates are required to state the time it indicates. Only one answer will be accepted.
6:17
